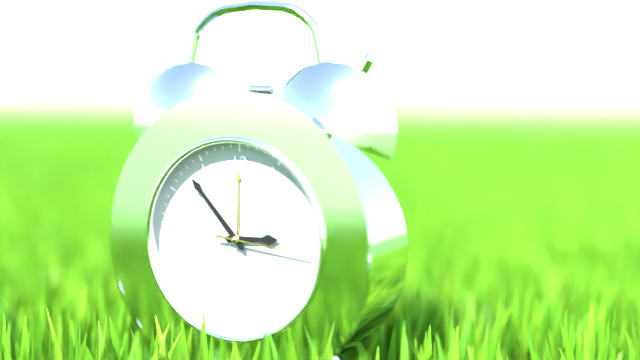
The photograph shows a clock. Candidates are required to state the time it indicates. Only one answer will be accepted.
2:53:16
